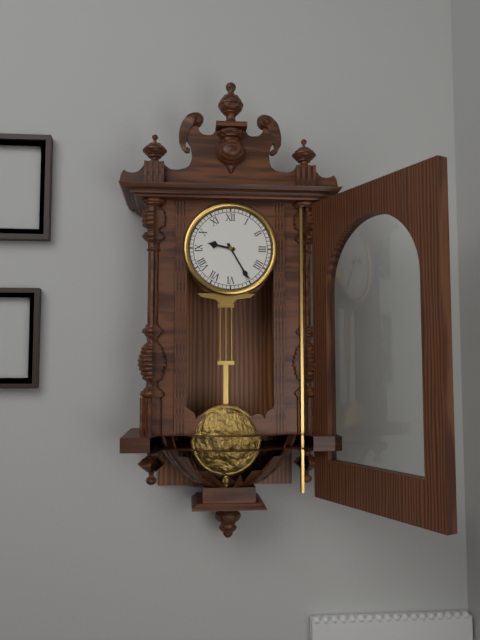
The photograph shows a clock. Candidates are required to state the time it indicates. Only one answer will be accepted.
9:25
